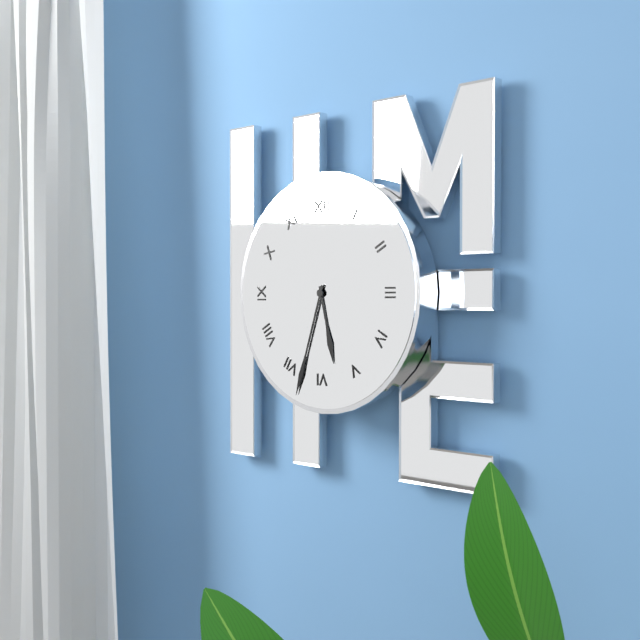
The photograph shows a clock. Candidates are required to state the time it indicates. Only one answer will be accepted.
5:33
